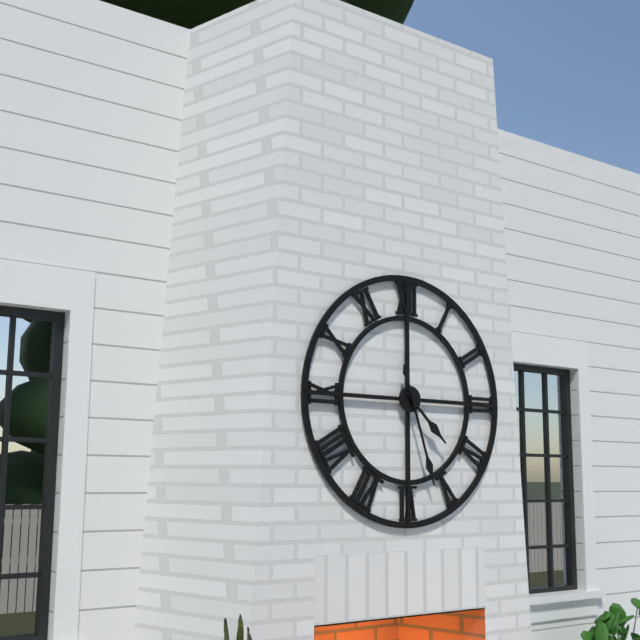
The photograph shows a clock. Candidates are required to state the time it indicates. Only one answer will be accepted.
4:27
